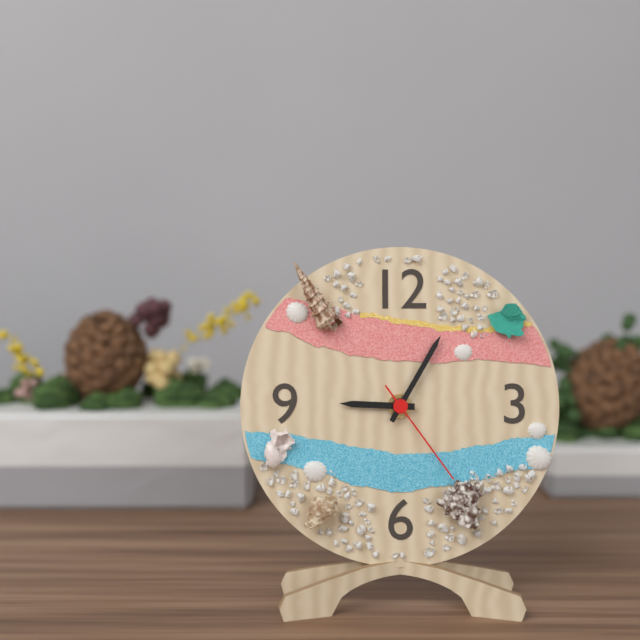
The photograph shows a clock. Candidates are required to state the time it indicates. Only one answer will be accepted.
9:05:24
